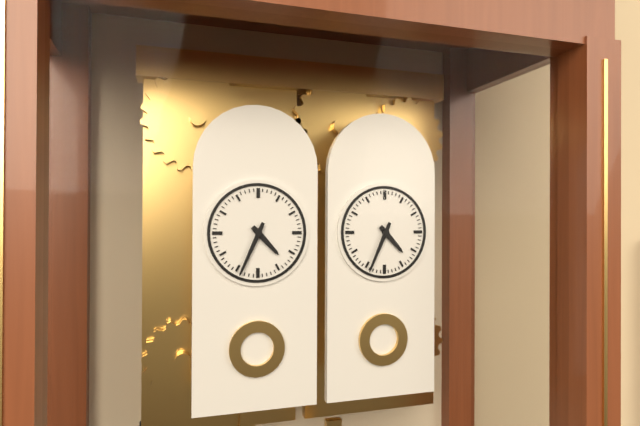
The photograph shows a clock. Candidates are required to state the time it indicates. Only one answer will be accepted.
4:34
